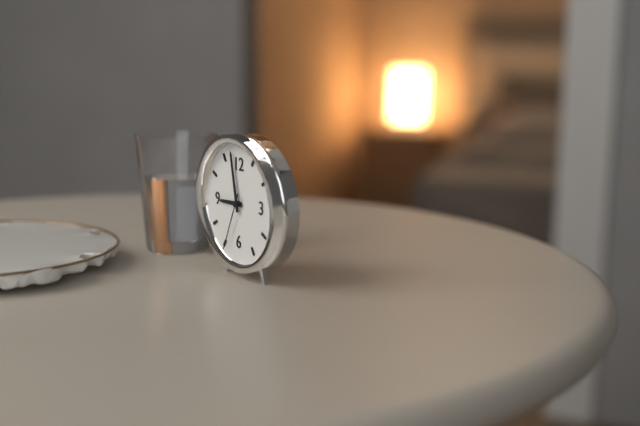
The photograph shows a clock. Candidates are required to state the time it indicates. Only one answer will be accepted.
8:58:34
